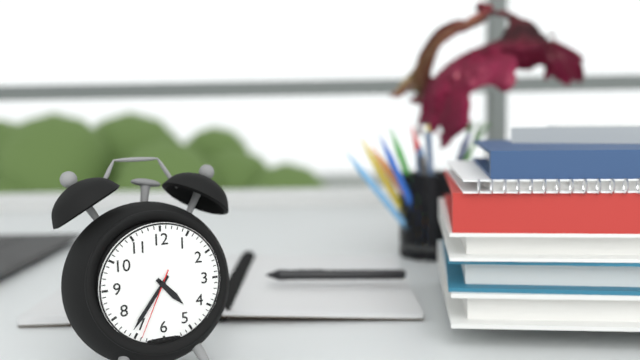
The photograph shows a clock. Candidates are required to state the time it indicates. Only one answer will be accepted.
4:36:34
